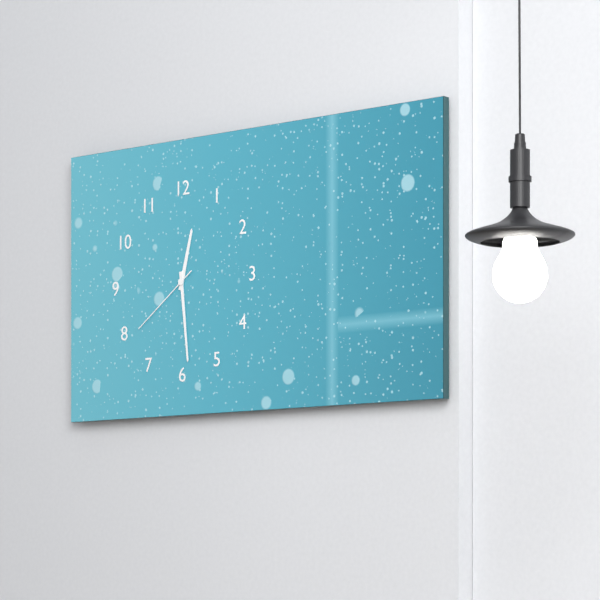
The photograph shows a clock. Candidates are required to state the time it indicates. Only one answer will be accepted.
12:29:39
